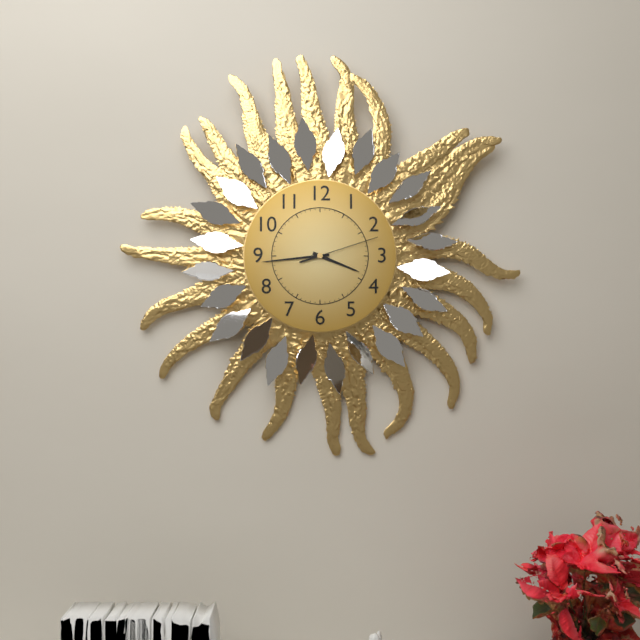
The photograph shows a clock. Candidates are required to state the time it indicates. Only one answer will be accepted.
3:44:12
